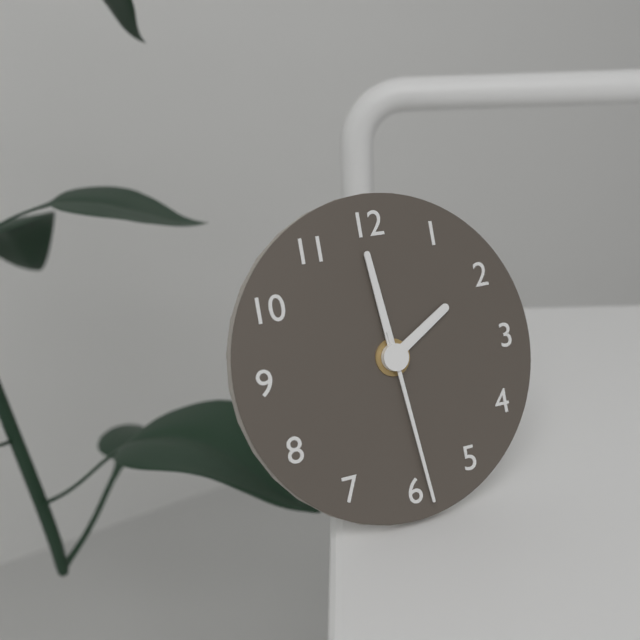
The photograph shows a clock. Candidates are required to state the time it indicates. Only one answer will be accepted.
1:59:29
